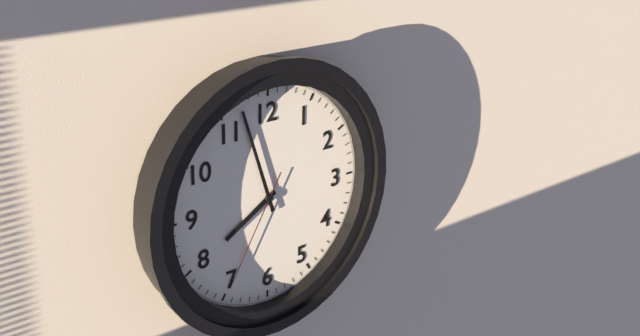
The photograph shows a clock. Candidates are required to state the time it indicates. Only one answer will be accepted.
7:57:35
